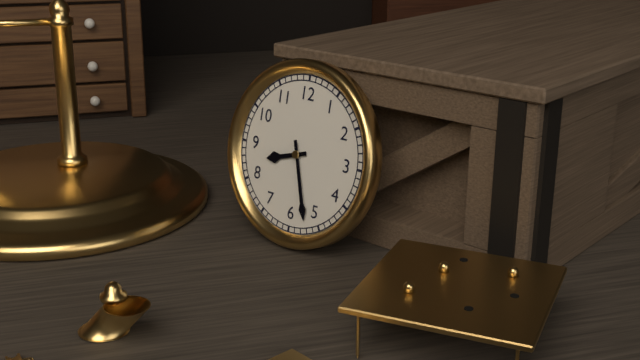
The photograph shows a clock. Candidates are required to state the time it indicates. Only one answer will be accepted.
8:27
